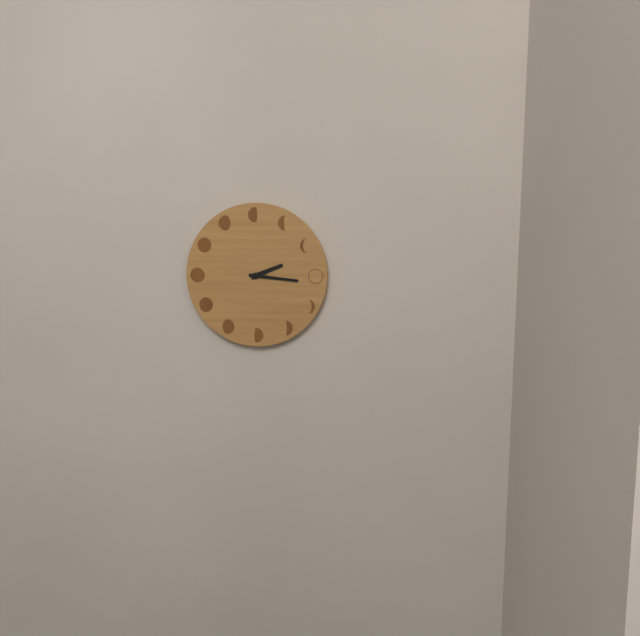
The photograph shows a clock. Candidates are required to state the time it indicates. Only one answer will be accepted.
2:16
